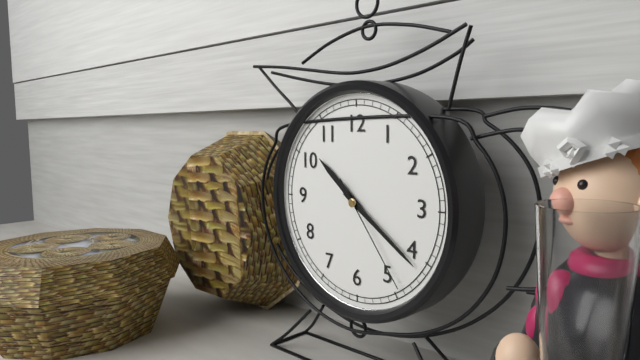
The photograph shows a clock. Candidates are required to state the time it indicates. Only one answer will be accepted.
10:21:24
